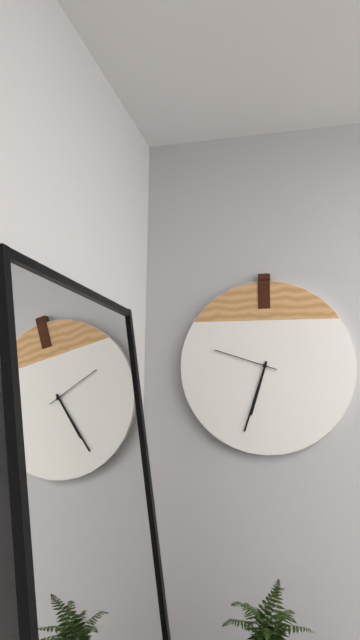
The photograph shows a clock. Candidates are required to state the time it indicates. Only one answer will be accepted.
6:33:48
